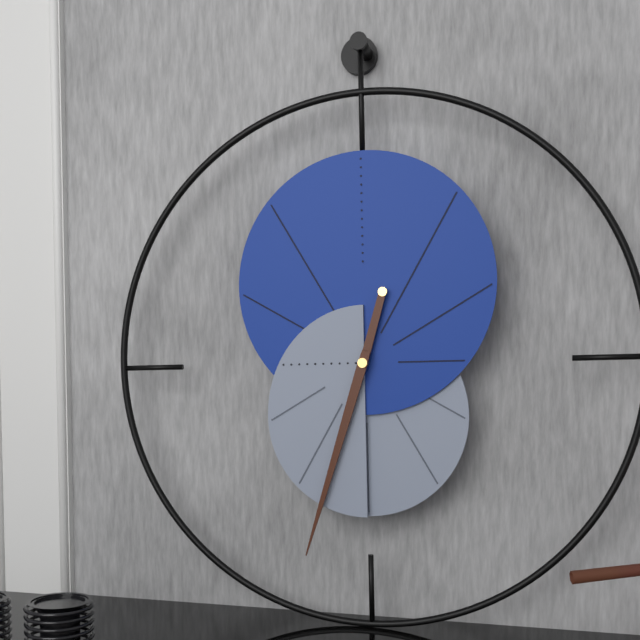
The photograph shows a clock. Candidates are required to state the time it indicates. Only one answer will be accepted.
12:33
